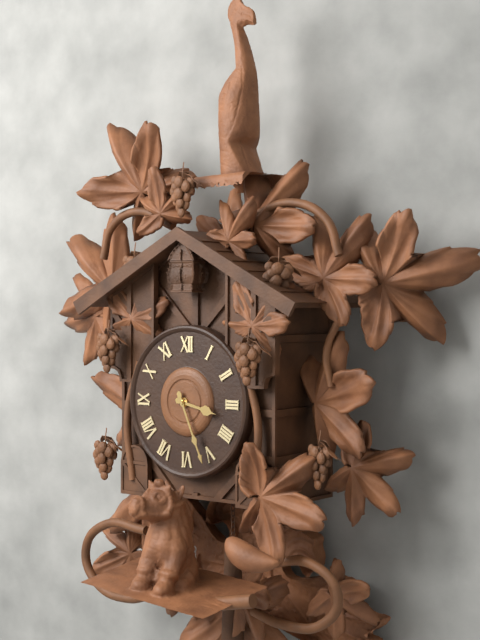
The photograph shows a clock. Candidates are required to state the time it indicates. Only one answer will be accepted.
3:26
